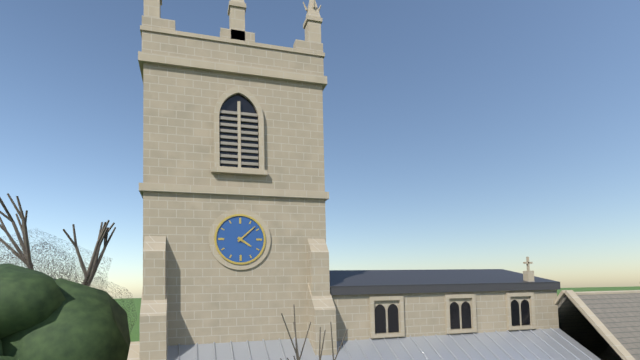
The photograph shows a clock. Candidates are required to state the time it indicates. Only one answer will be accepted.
4:08
